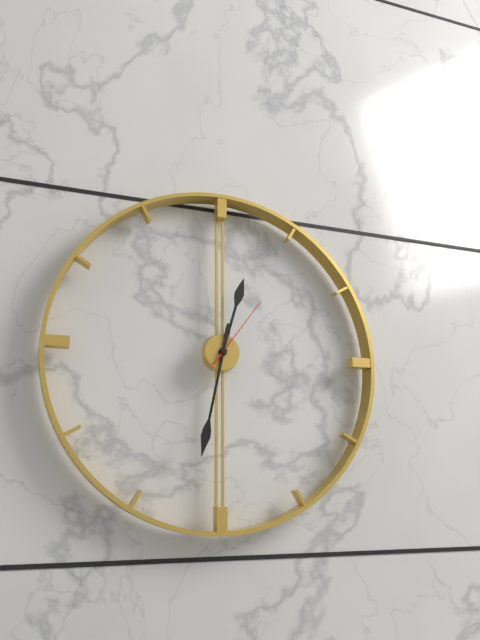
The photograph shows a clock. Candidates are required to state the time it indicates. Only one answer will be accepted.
12:32:06
